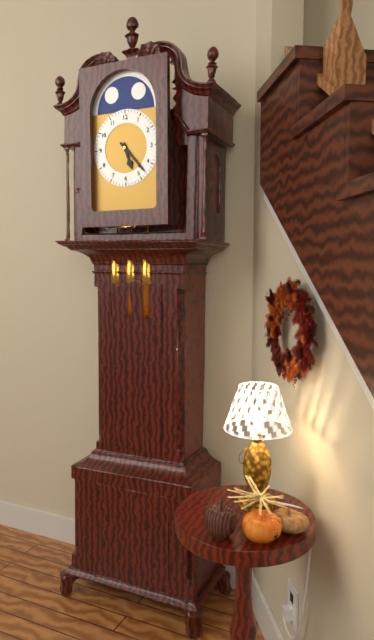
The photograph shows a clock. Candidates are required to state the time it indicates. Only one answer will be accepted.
5:23
